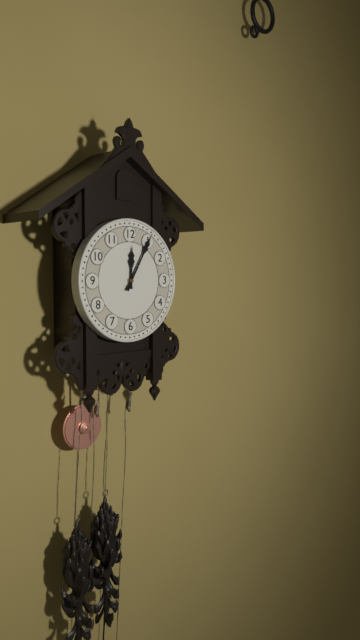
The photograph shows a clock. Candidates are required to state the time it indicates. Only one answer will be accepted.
12:05
